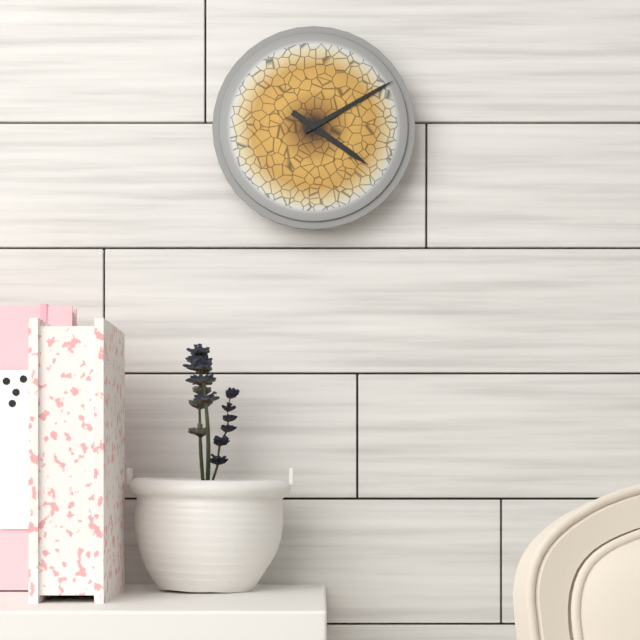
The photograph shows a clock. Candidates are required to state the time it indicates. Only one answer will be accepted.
4:10
